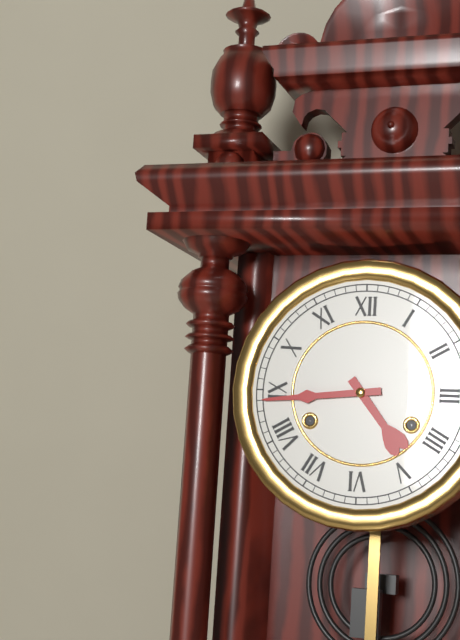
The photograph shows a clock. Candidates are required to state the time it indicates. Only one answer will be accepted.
4:44
